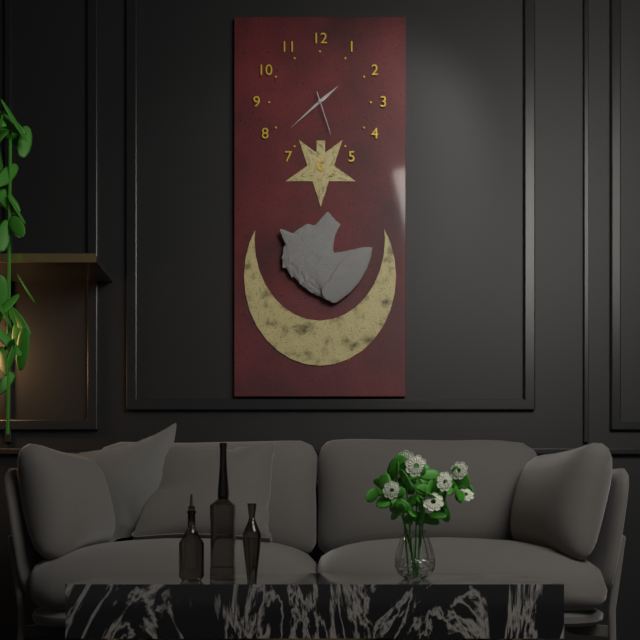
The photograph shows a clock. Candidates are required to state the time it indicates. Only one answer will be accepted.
1:38
